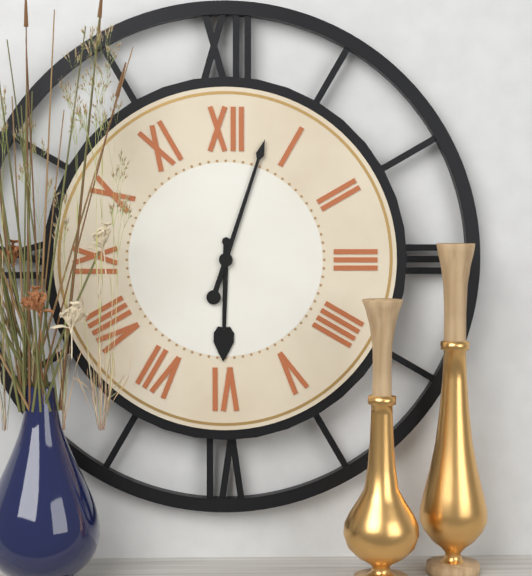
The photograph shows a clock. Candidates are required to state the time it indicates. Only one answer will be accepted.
6:03
